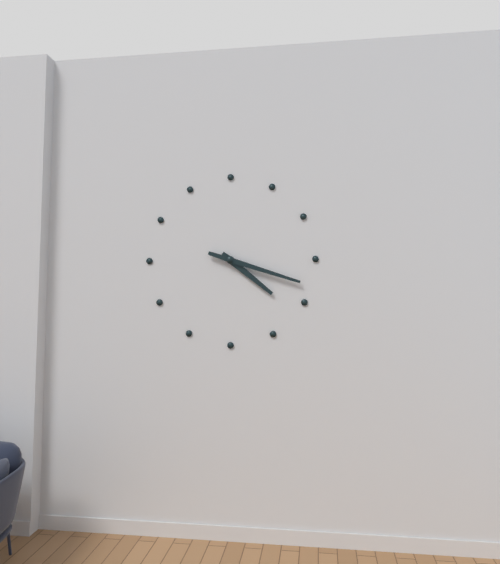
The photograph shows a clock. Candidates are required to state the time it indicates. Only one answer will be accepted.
4:18
